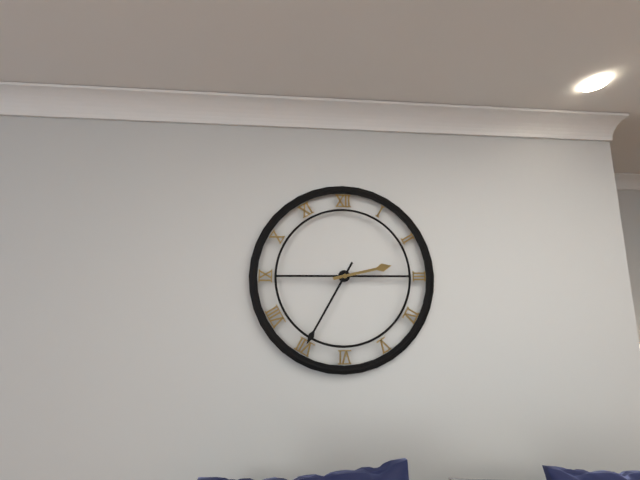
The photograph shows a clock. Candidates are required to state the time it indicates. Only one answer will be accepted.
2:35
